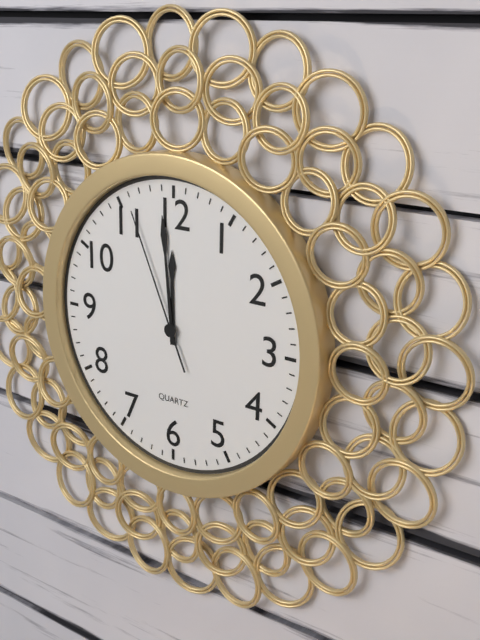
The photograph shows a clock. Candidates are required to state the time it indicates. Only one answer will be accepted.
11:59:56
